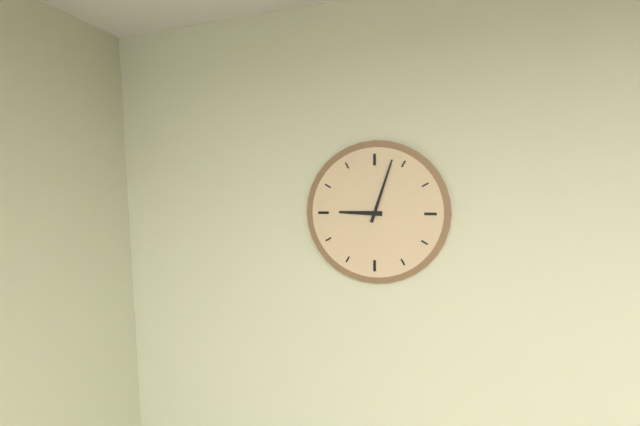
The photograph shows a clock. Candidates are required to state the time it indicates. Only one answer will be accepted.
9:03
